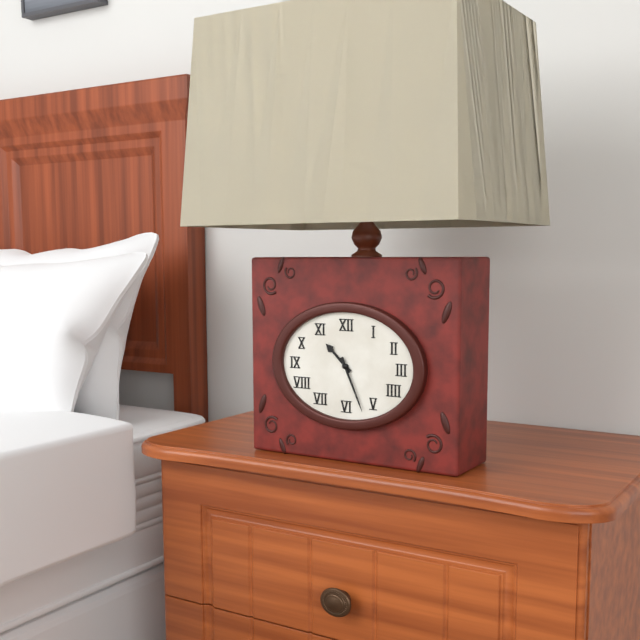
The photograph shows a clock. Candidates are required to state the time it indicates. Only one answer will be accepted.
10:26
